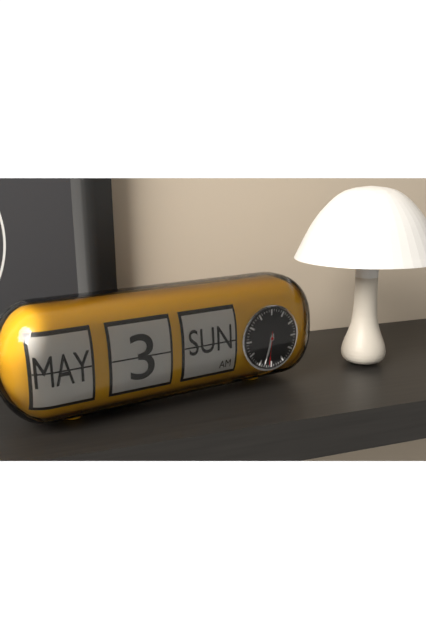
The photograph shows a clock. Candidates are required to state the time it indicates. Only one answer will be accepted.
6:33:31
